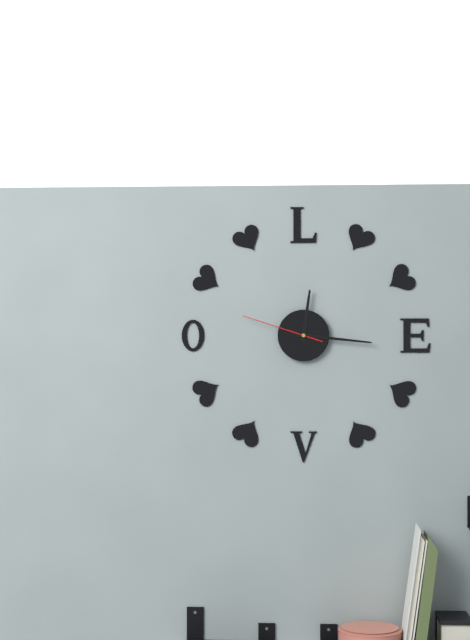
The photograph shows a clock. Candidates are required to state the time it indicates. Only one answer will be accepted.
12:16:48
